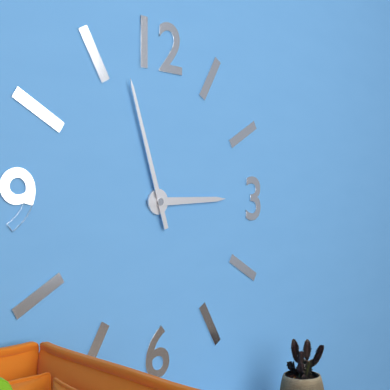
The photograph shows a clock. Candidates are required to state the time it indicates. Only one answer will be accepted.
2:57
